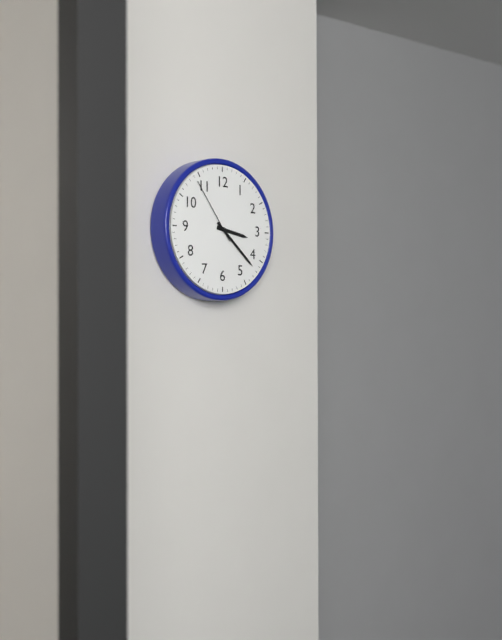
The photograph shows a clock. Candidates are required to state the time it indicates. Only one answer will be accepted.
3:22:54
